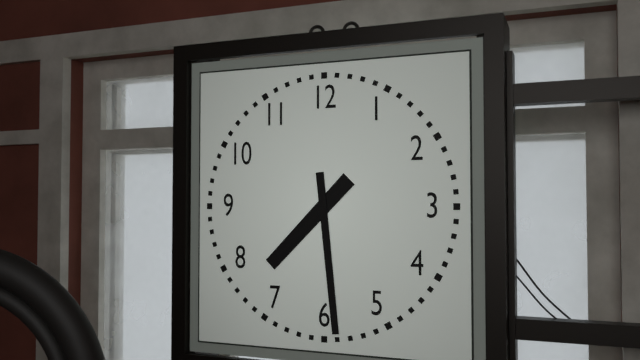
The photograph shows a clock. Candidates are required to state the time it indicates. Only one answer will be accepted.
7:29
